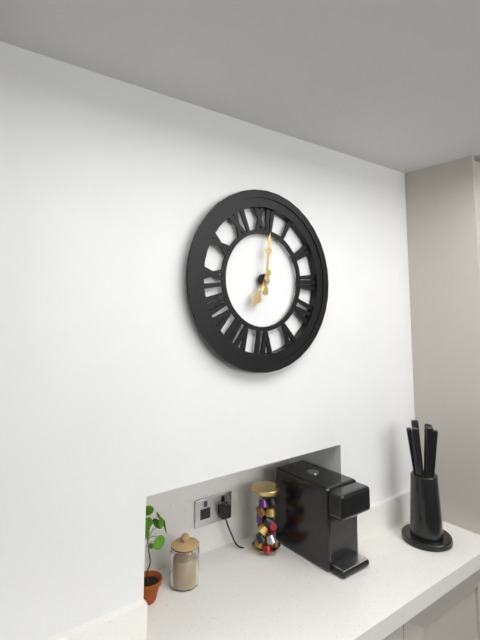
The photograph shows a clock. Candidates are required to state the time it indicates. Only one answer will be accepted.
7:01
